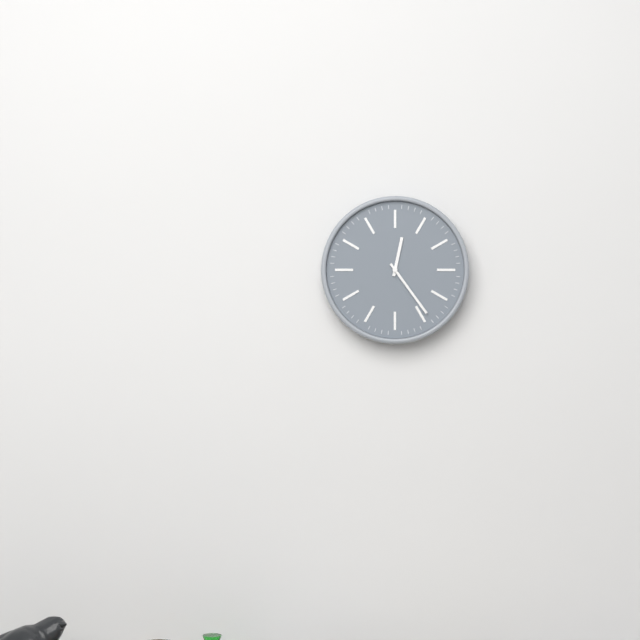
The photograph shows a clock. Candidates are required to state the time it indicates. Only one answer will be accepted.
12:24
